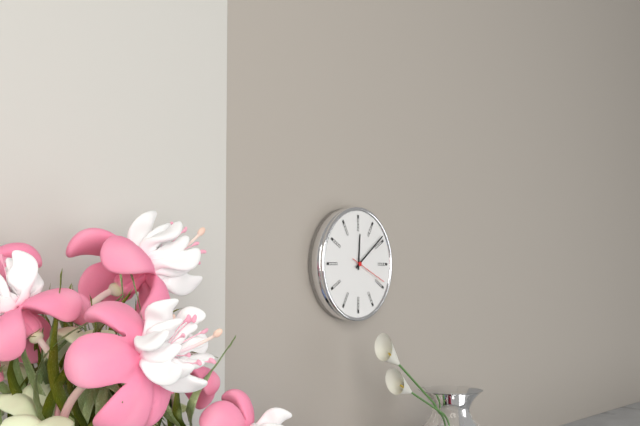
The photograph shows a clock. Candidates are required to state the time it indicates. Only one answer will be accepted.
12:09
